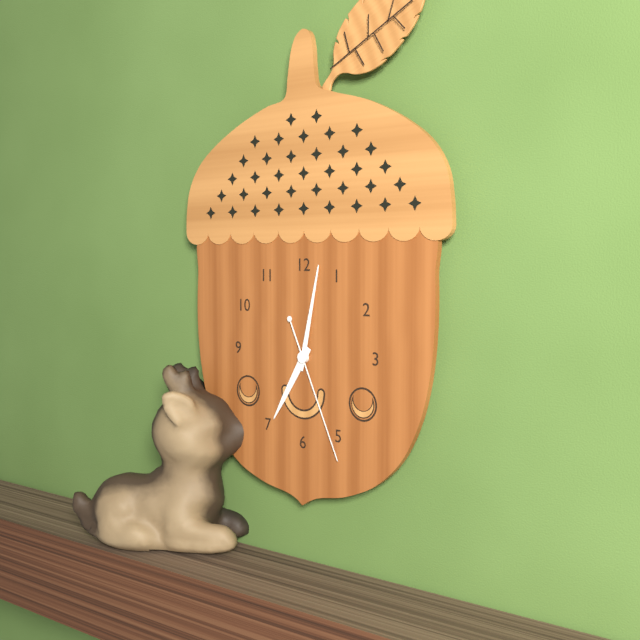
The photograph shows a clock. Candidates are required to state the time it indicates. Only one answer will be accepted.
7:02:26
